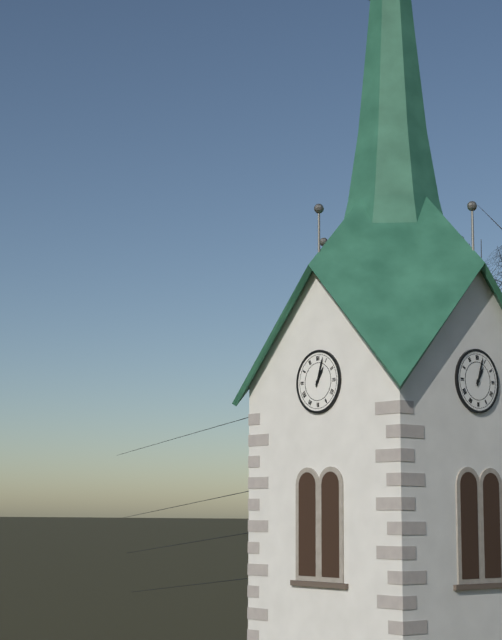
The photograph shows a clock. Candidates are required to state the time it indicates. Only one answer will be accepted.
1:03
